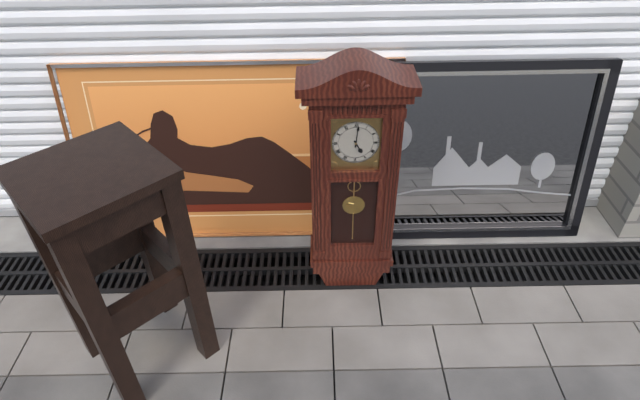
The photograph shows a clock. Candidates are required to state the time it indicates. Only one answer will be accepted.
5:01
